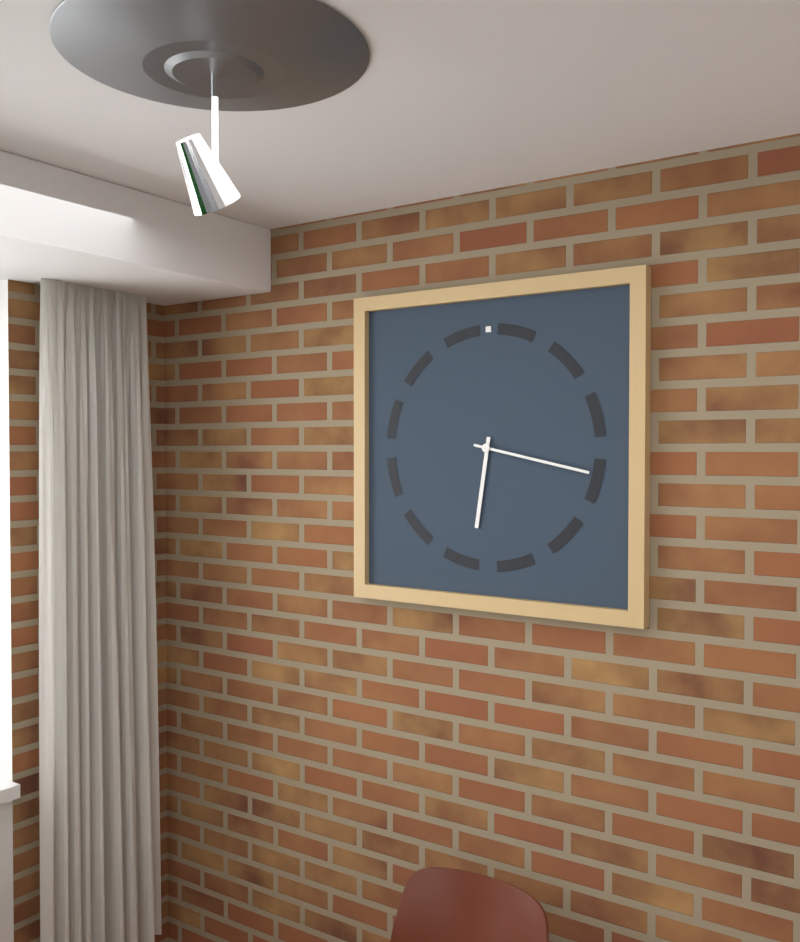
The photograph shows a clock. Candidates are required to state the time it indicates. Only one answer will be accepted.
6:17
